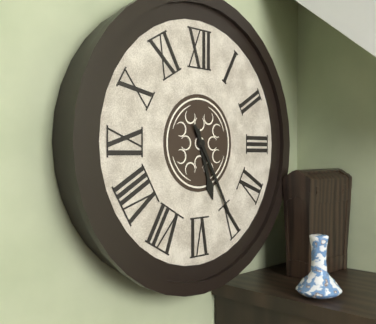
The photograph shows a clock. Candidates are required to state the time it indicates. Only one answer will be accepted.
5:25
